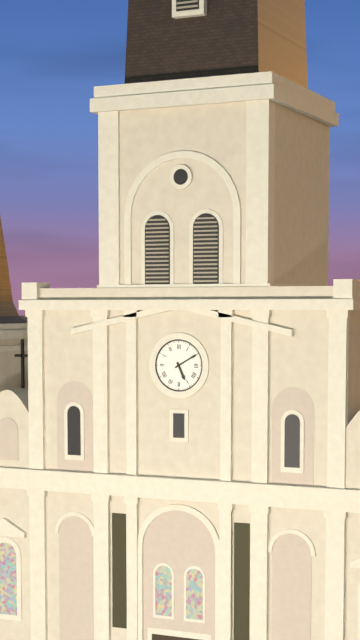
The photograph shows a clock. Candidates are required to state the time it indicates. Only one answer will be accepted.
5:10
